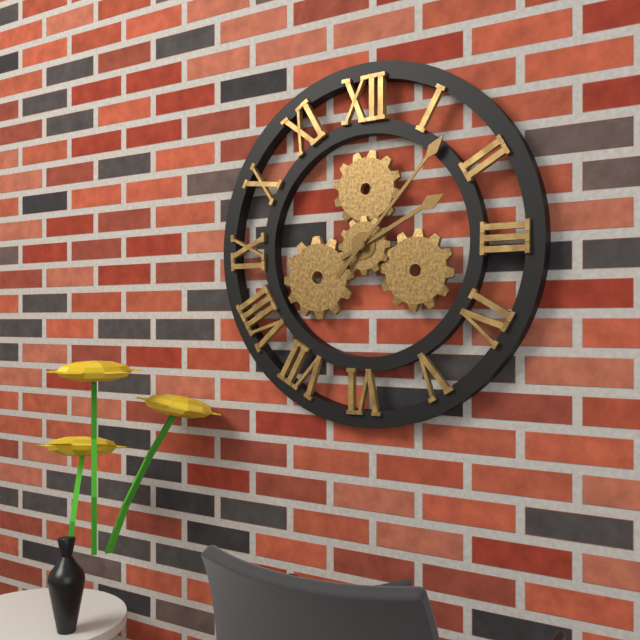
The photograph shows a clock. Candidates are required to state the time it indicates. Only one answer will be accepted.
2:07
